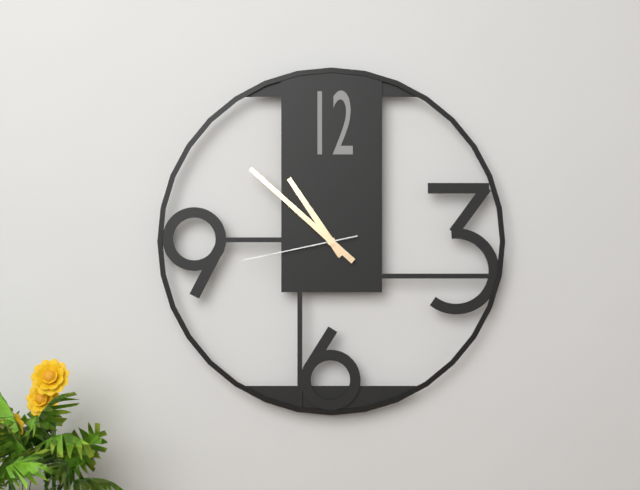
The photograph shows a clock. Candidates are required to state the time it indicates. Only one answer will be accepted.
10:52:43
